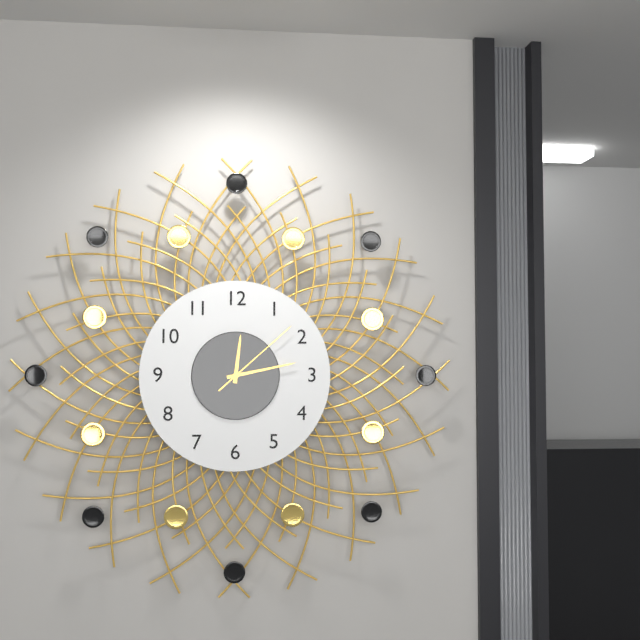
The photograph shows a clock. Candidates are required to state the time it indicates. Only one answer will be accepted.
12:13:08
